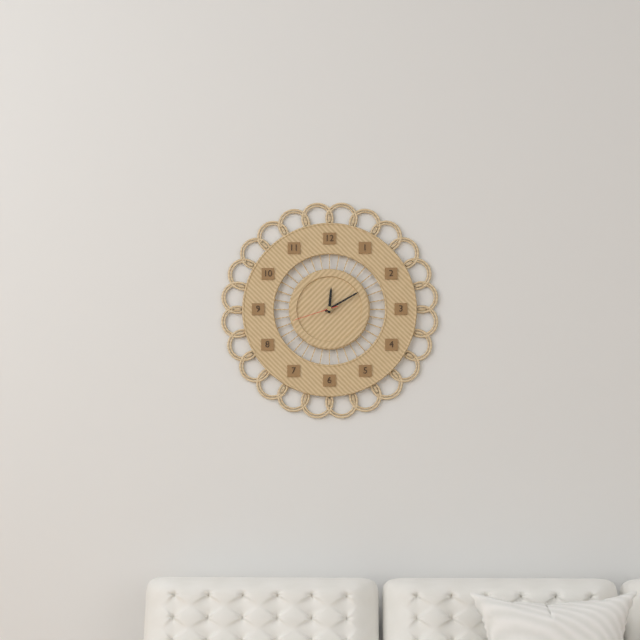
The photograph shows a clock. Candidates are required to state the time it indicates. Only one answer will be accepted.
12:10
